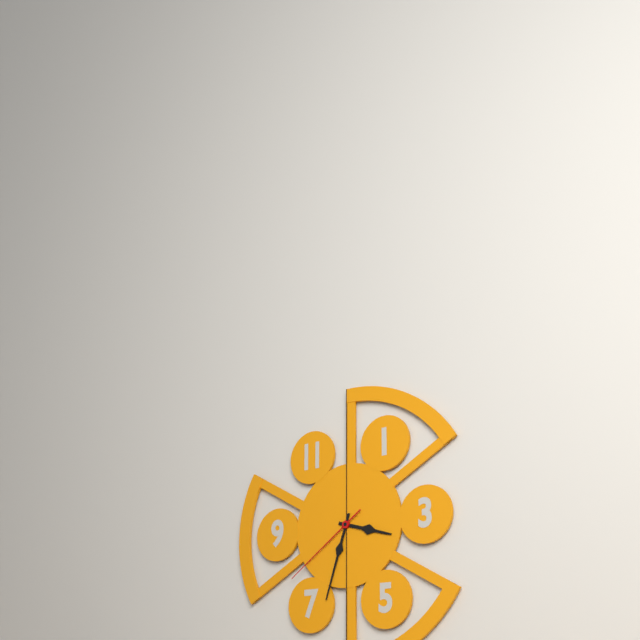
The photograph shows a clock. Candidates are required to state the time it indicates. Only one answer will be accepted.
3:33:39
